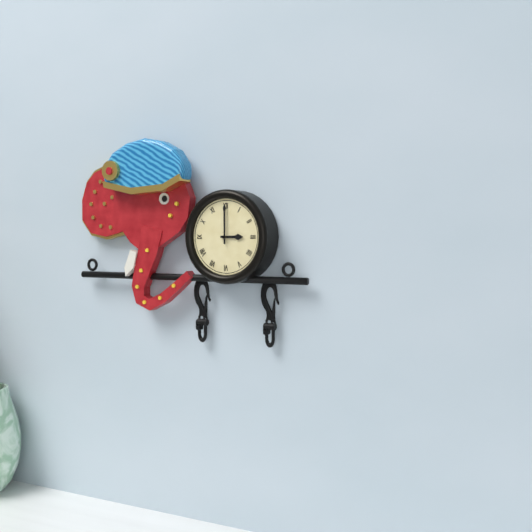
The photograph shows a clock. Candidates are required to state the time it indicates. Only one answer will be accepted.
3:00
